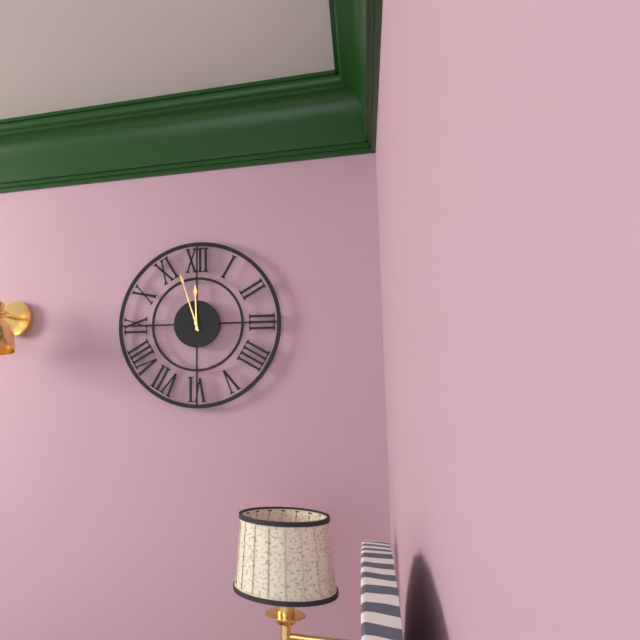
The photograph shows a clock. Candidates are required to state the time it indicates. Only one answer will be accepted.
11:57
